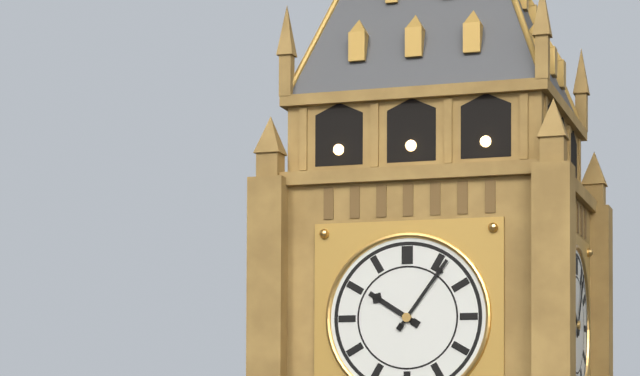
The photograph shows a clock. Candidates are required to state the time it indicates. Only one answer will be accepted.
10:06
